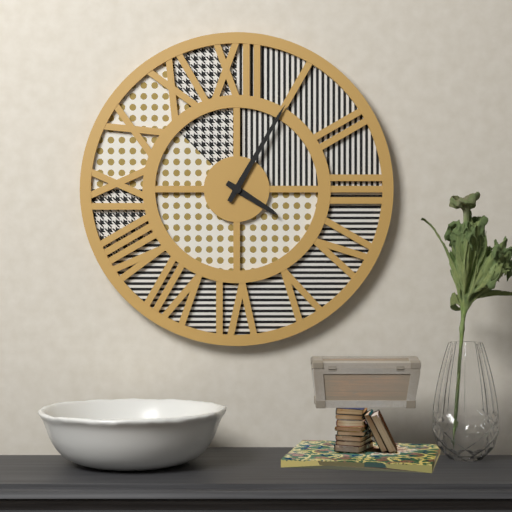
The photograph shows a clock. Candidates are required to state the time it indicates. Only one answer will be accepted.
4:05
